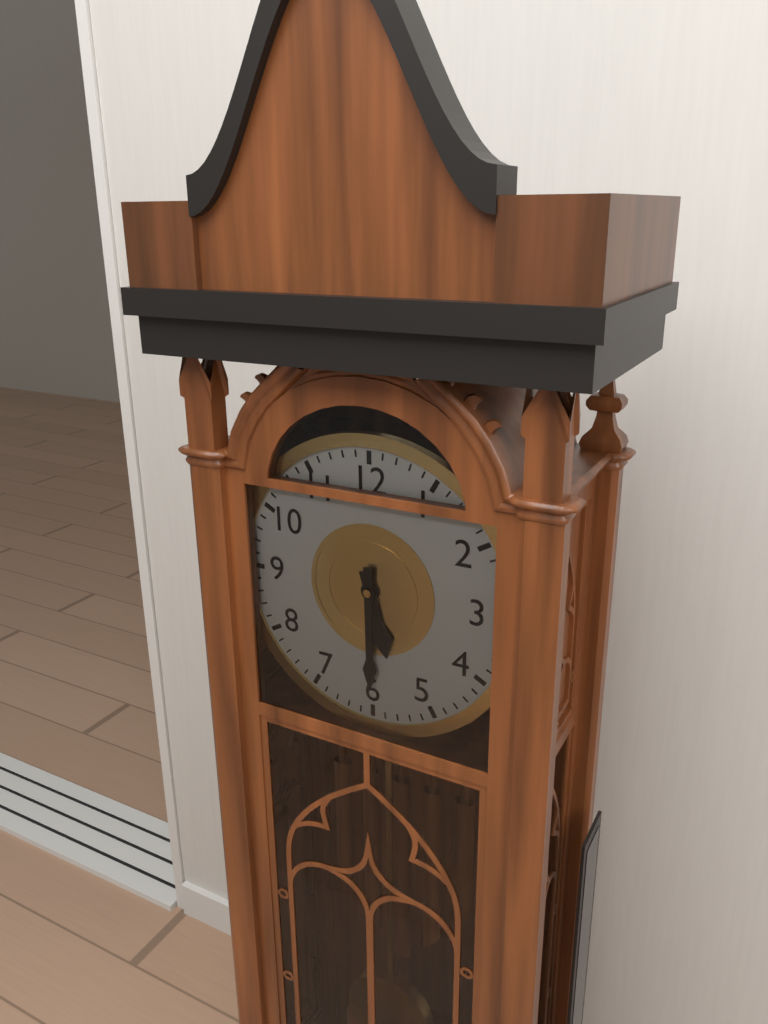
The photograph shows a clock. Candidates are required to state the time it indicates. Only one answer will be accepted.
5:30
